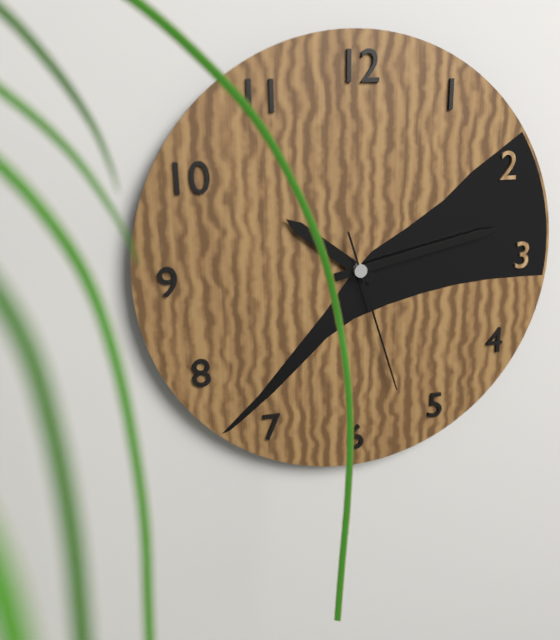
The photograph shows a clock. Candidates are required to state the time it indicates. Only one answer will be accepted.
10:13:27
